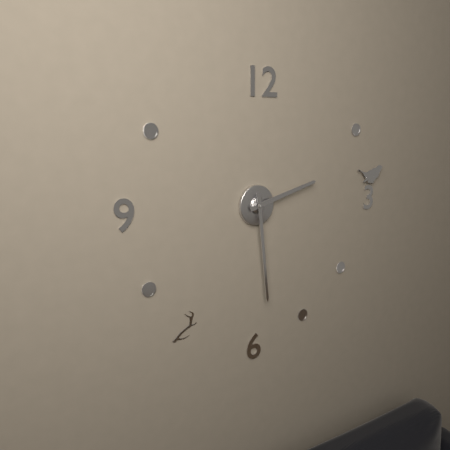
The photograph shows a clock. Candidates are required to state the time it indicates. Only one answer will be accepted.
2:29
